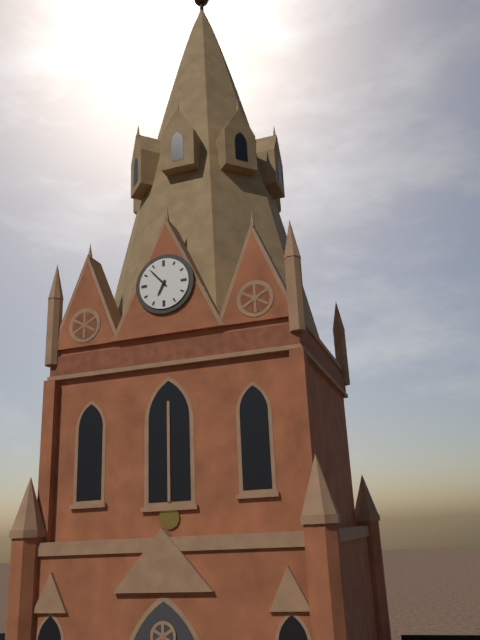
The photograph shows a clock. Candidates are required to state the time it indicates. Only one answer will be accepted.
6:53
